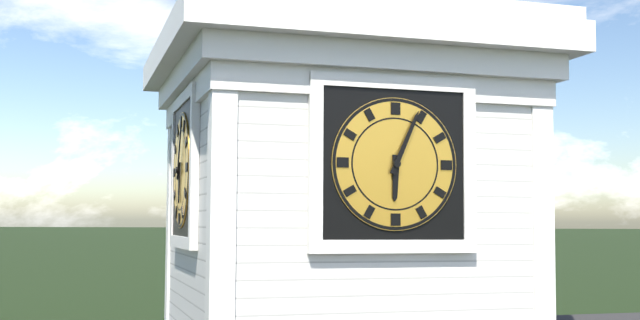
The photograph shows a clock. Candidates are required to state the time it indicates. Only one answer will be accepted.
6:04
